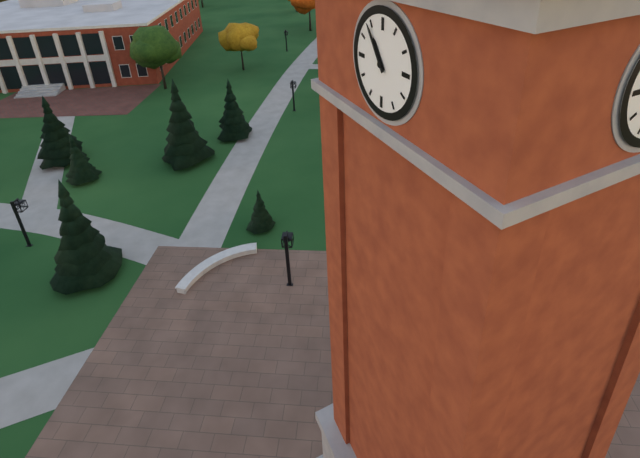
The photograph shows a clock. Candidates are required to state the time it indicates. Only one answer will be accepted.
10:54
